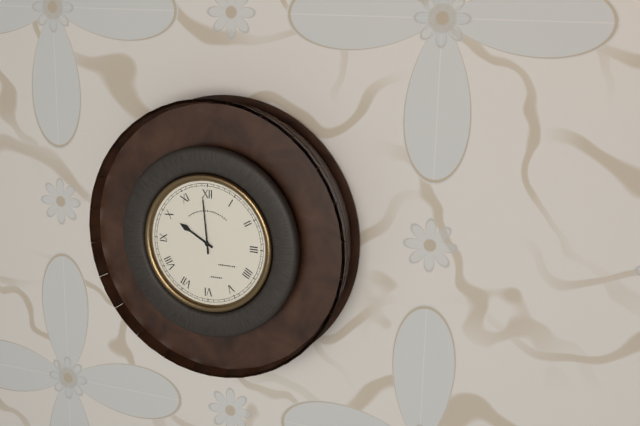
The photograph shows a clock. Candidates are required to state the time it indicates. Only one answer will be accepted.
9:59
